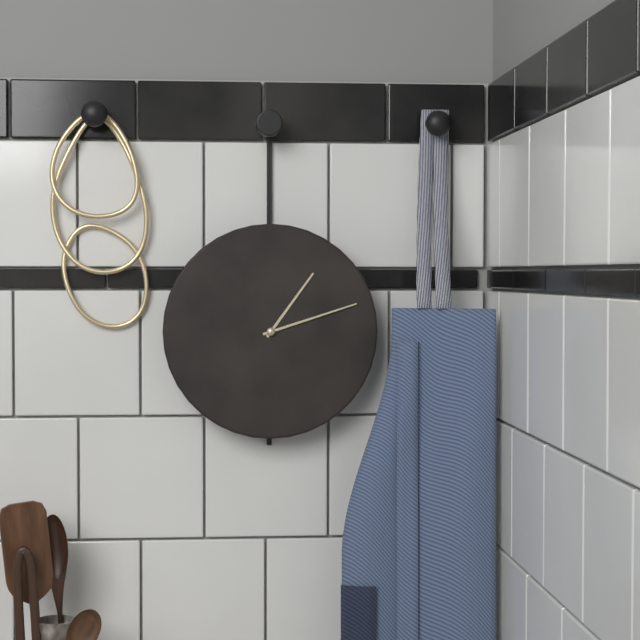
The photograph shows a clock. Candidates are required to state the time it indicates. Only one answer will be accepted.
1:12
